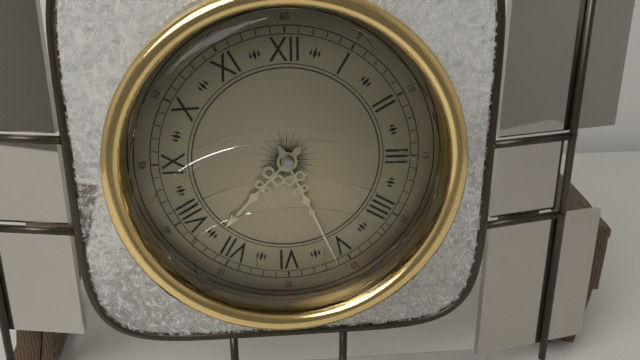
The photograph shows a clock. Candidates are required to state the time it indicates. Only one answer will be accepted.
7:26
